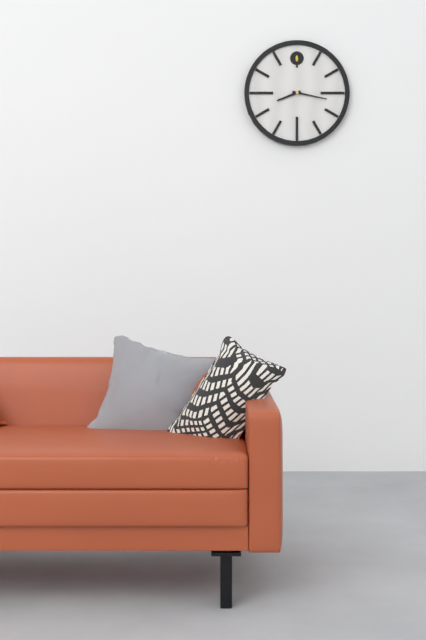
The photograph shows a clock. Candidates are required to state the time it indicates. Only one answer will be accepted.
8:17
